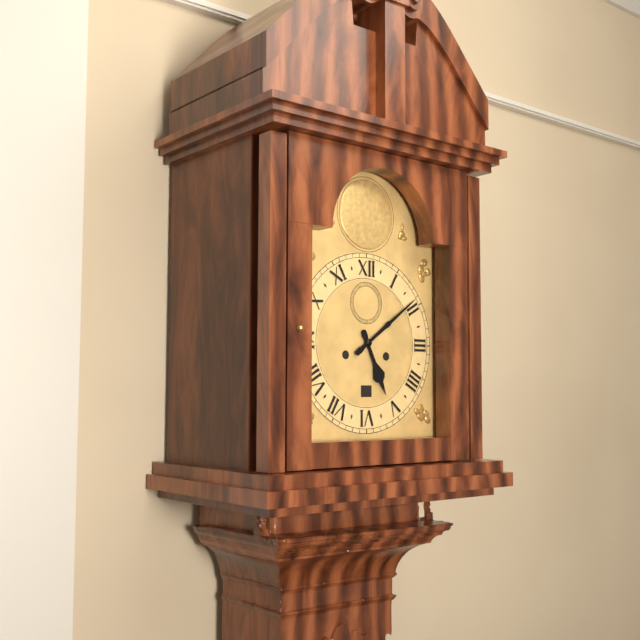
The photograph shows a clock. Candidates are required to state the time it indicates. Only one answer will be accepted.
5:09
